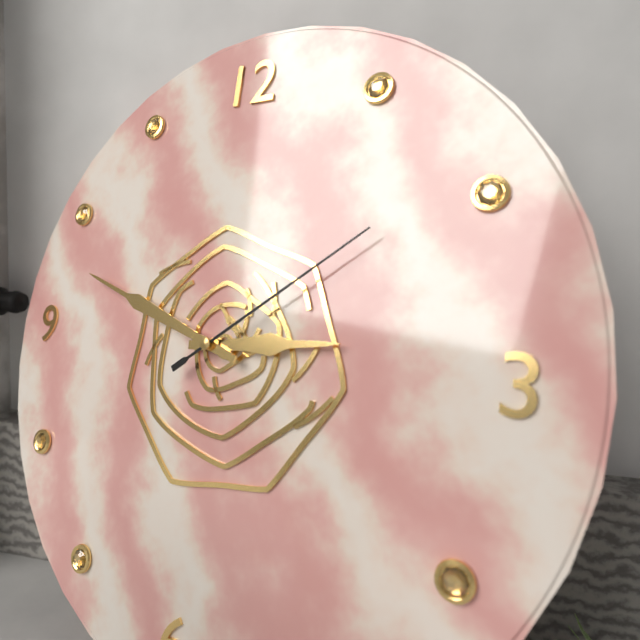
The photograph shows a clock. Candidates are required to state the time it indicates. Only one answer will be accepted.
2:48:09
